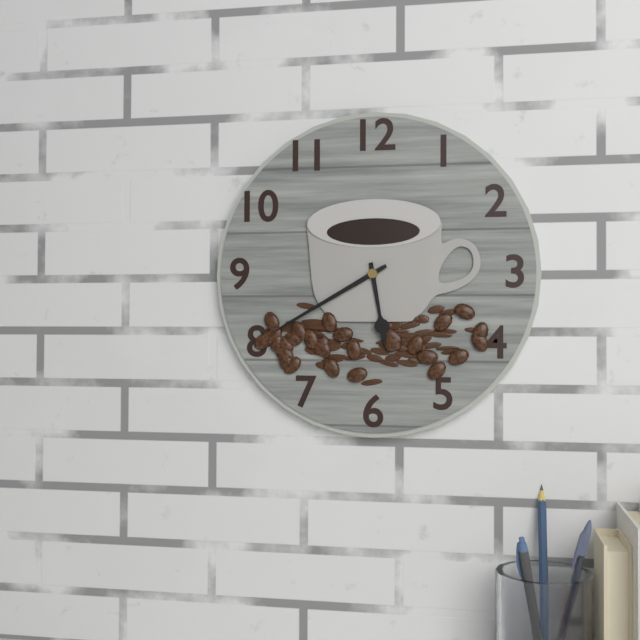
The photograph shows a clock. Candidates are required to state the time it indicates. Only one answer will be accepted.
5:40
